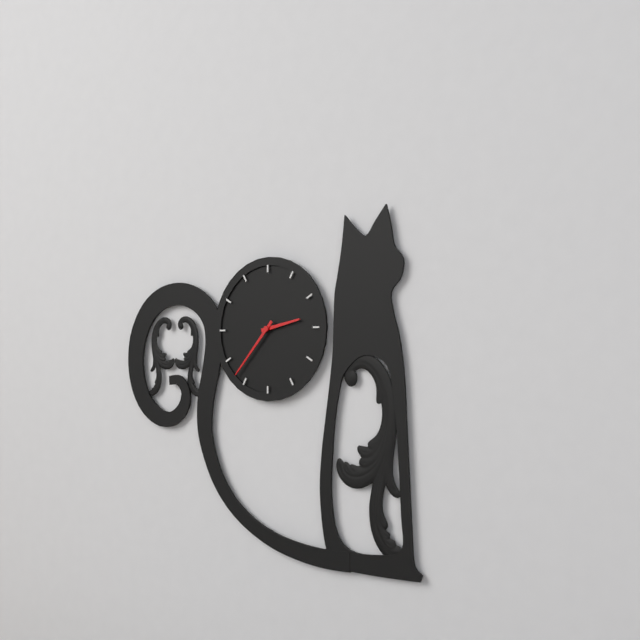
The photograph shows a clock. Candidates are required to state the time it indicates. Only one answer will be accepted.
2:37
